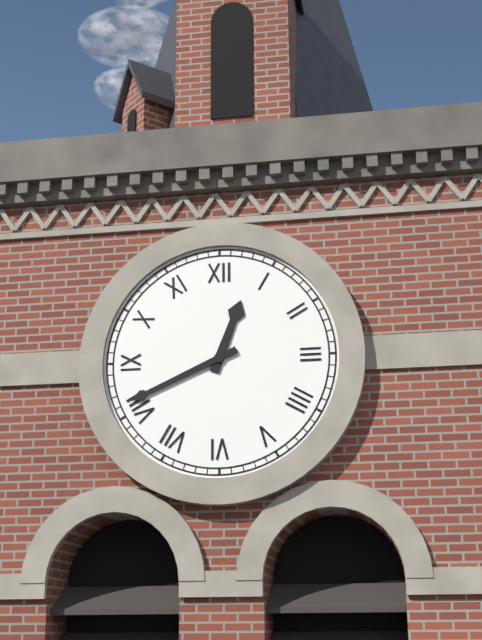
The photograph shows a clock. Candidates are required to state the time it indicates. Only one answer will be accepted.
12:41
